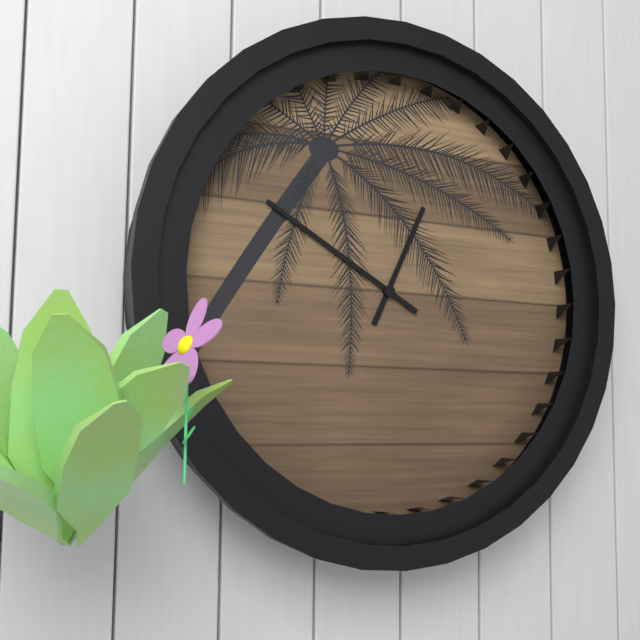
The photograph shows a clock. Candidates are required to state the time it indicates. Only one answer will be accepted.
12:50
